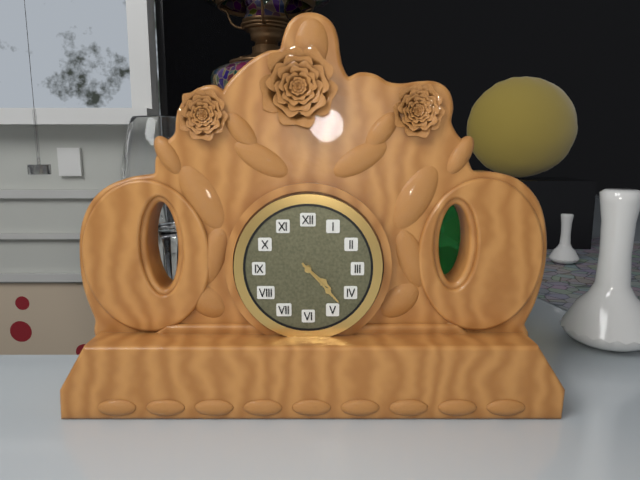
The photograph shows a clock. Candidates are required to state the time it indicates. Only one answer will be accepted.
4:23
